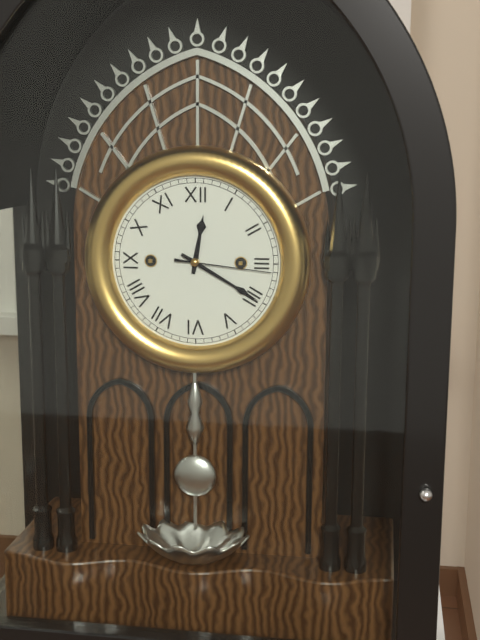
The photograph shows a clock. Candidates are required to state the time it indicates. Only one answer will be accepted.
12:20:16
